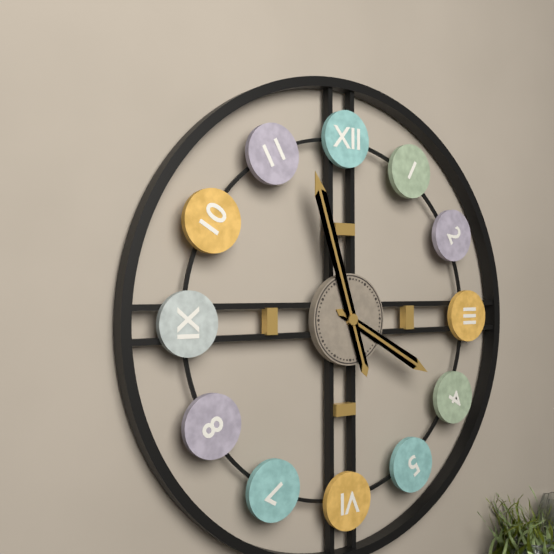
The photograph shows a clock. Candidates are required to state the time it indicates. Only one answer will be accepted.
3:57
